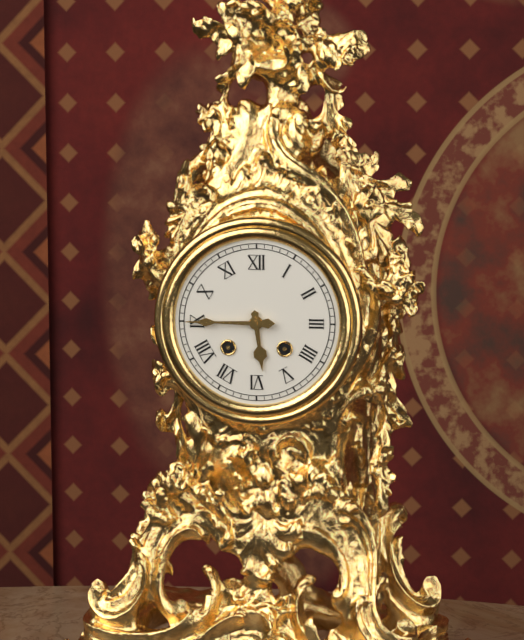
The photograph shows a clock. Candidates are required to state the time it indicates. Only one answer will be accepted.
5:45
